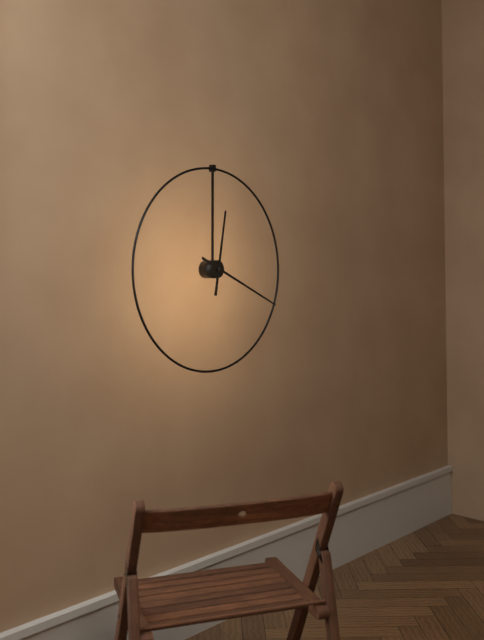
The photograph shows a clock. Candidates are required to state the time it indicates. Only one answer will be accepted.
12:19
